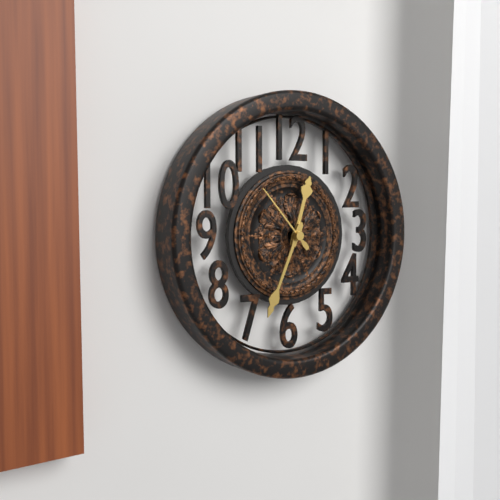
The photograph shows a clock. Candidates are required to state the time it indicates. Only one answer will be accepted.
12:34:53
